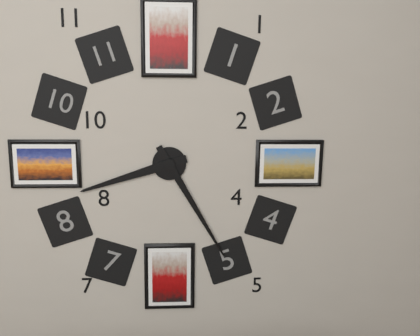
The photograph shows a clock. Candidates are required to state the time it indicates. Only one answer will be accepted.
8:25
